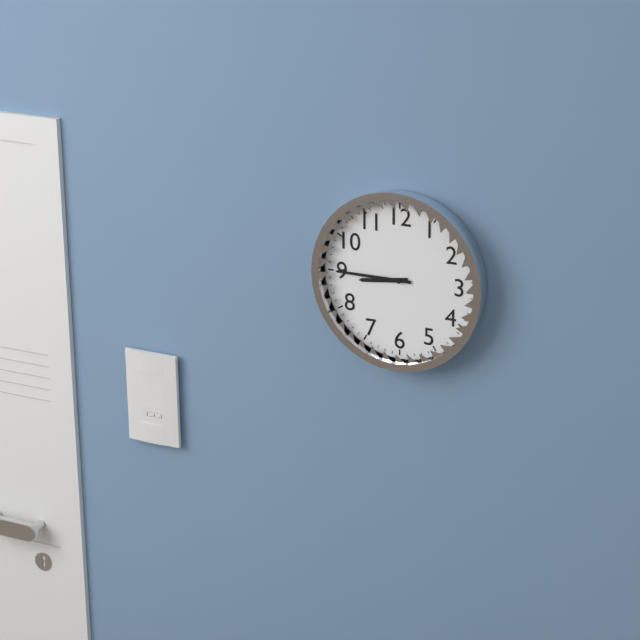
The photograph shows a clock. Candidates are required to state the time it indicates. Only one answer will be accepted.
8:45
